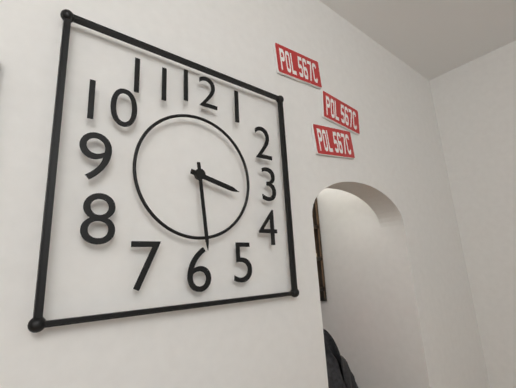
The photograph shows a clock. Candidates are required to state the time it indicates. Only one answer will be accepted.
3:29
